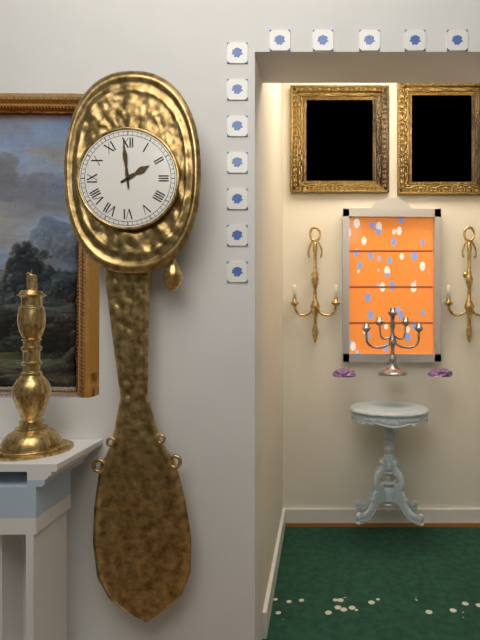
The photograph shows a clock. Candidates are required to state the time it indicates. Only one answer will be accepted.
1:59
